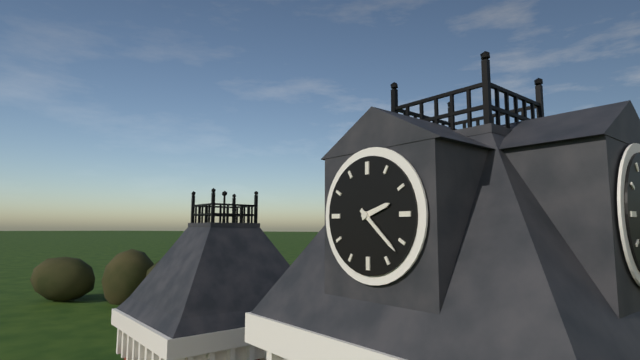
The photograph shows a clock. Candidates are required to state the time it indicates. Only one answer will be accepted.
2:22
